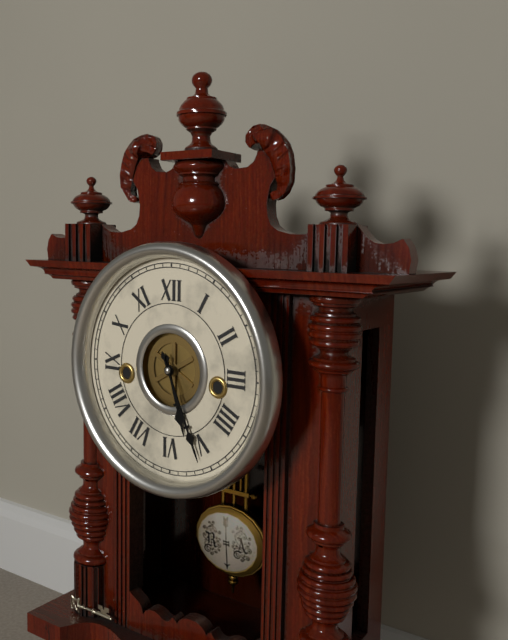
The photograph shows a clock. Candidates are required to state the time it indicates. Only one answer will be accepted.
5:26
